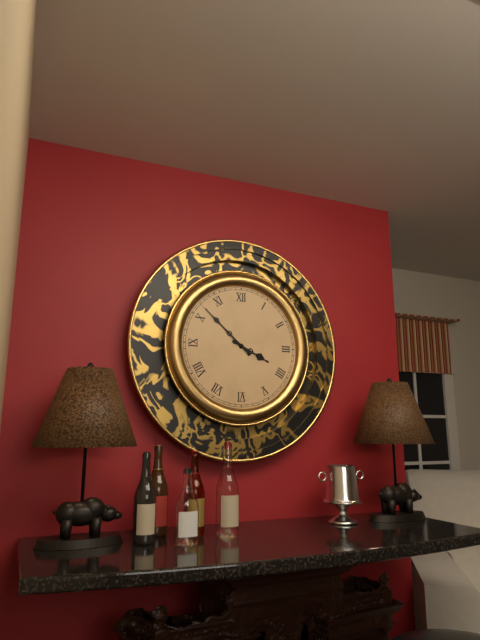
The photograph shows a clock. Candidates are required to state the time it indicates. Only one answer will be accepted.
3:52
